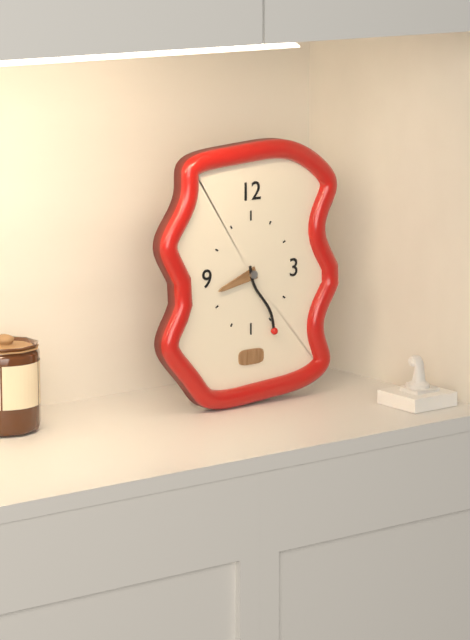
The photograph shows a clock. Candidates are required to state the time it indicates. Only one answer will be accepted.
8:26
